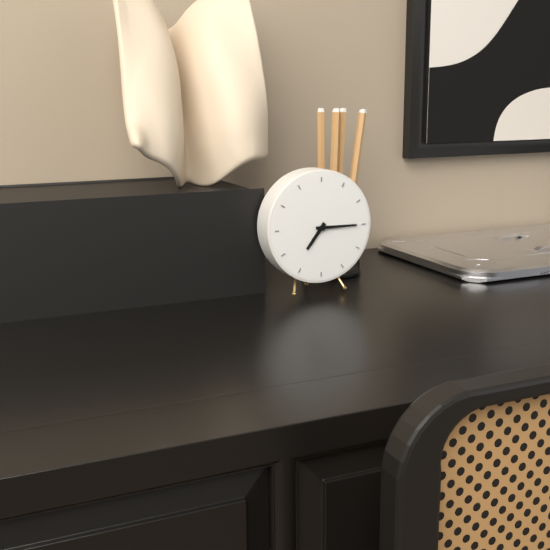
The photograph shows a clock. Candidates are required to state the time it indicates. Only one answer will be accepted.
7:15
